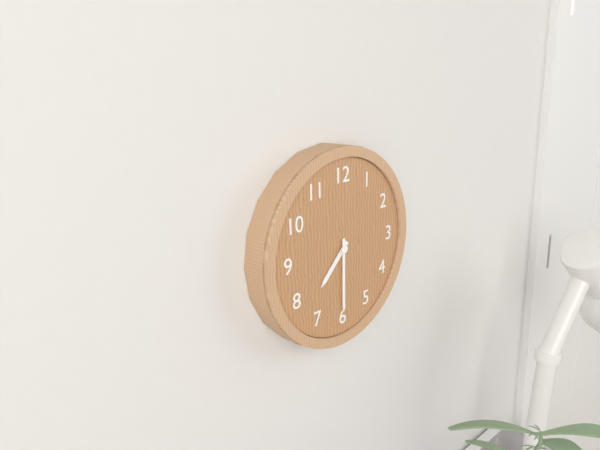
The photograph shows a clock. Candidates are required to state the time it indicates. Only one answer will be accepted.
7:30
